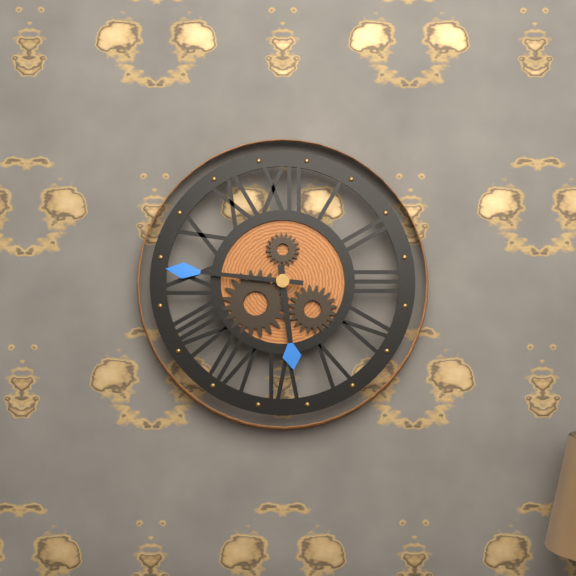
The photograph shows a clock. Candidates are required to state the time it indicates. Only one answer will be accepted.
5:46
